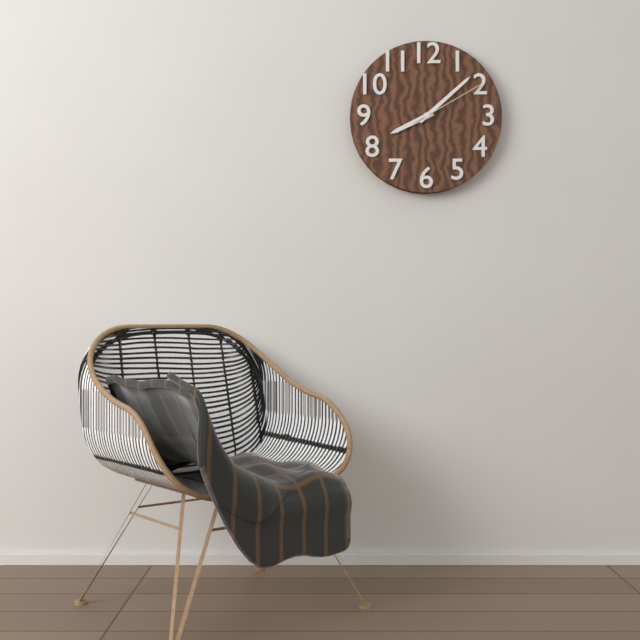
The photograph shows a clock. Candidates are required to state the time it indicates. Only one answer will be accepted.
8:08:10
